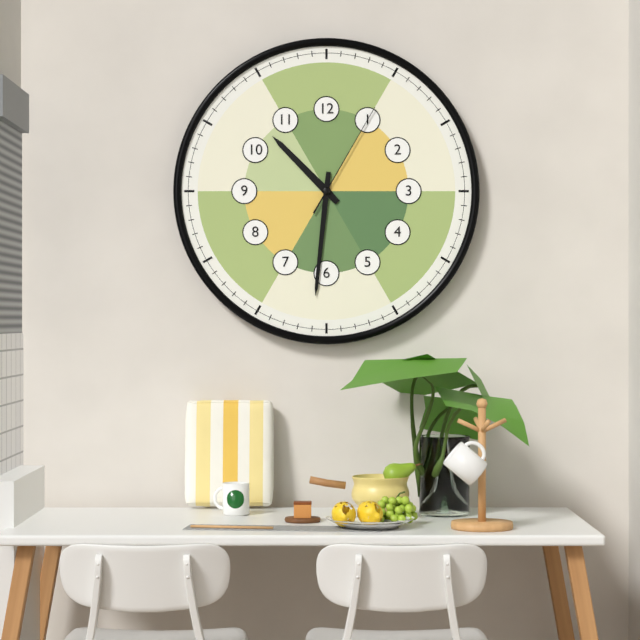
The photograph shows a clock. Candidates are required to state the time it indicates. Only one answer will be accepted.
10:31:05
